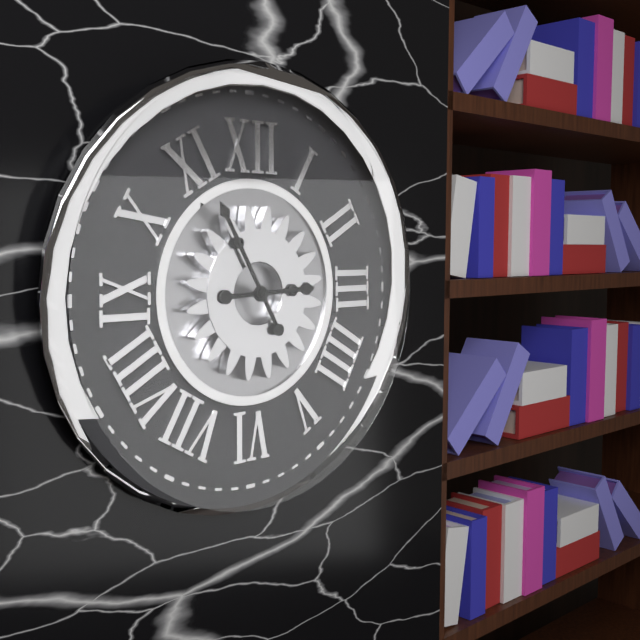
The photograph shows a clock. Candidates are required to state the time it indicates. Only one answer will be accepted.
2:55
